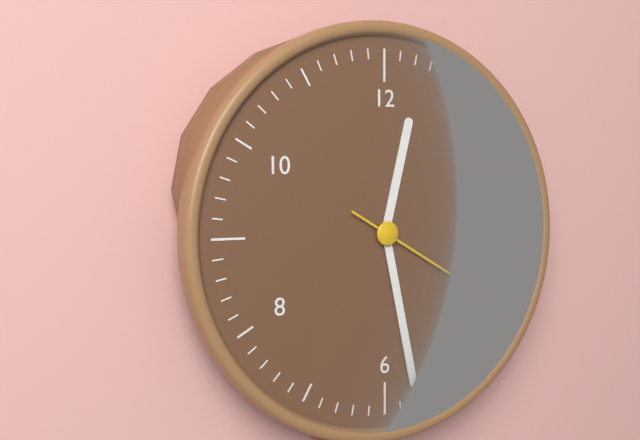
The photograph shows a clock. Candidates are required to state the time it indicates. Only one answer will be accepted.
12:28:20
